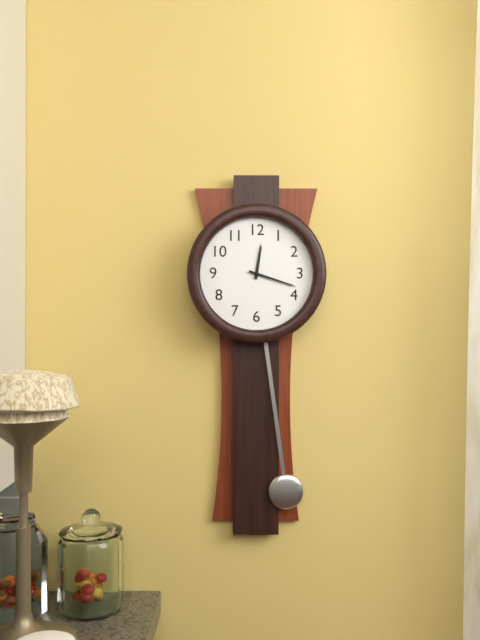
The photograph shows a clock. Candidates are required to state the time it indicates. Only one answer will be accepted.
12:18
